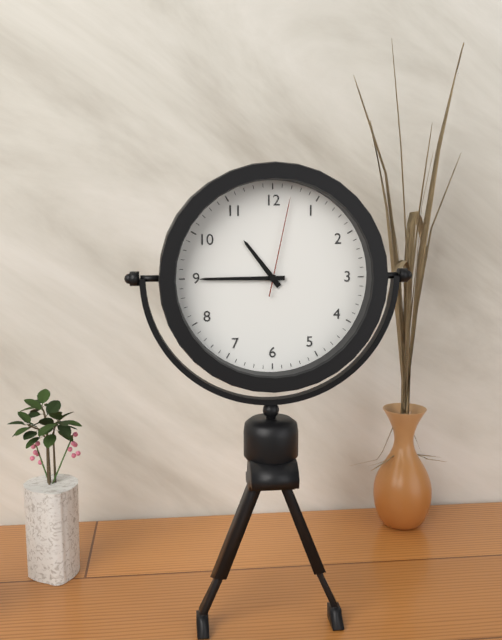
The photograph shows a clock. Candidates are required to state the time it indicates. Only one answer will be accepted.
10:45:02
